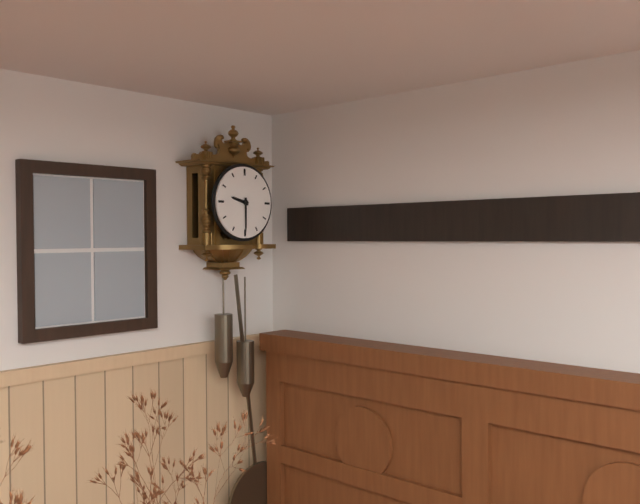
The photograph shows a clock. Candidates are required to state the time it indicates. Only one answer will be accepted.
9:30
